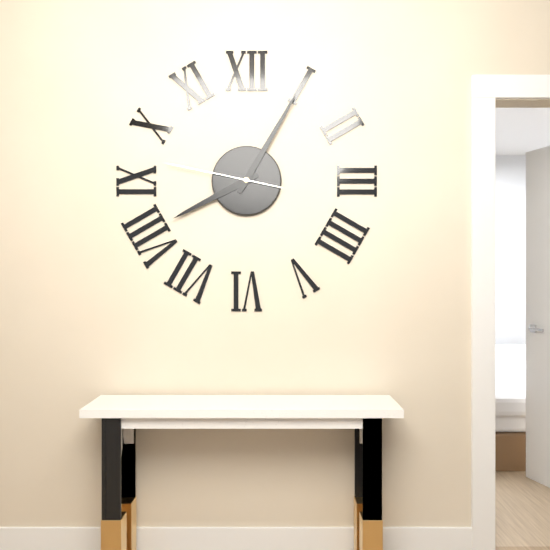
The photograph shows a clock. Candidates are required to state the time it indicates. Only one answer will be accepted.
8:05:47
